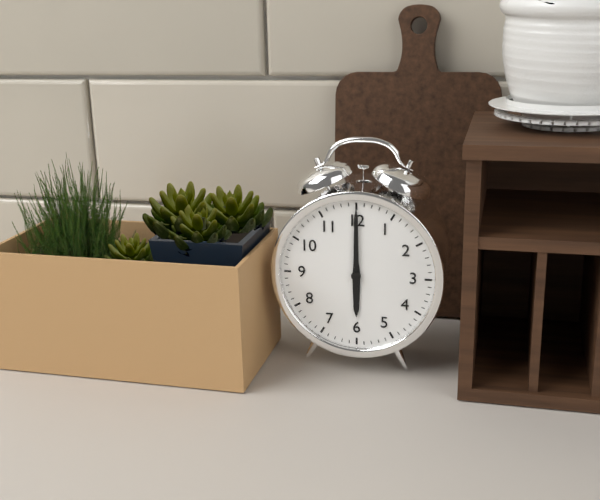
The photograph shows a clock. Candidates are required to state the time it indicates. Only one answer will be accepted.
6:00
